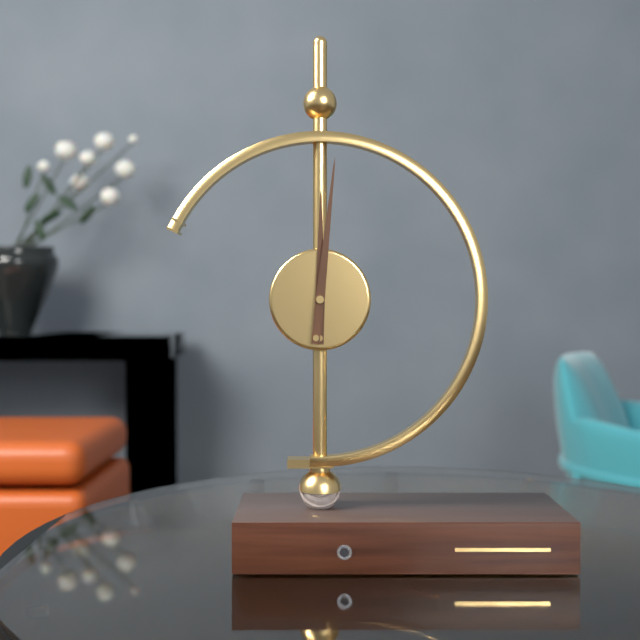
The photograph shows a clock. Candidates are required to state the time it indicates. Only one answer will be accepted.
12:01
